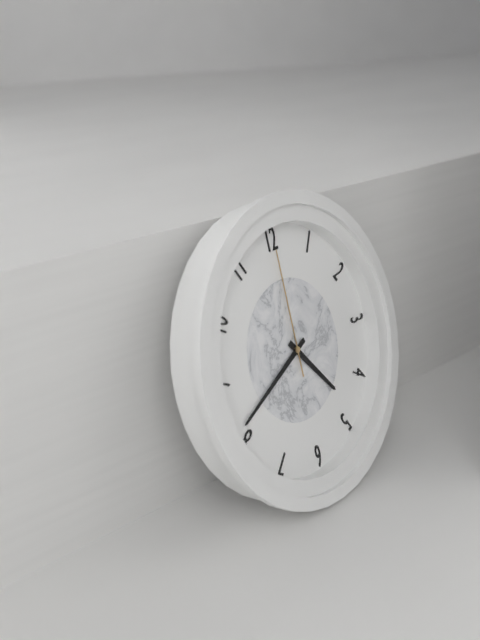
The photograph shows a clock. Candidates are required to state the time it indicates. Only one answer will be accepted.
4:41:00
